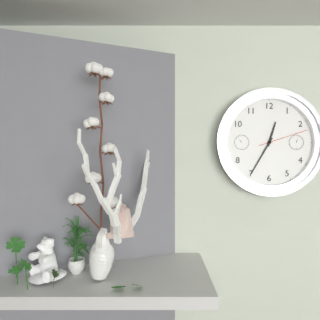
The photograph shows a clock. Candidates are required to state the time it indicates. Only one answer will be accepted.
12:35
